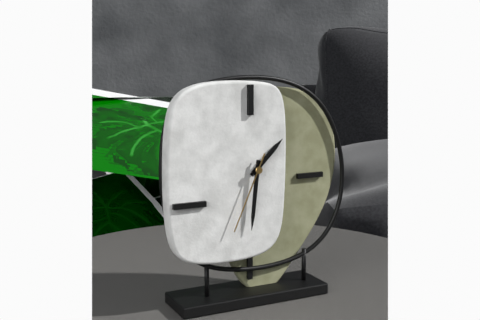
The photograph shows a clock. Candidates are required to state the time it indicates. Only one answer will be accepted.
1:31:34
